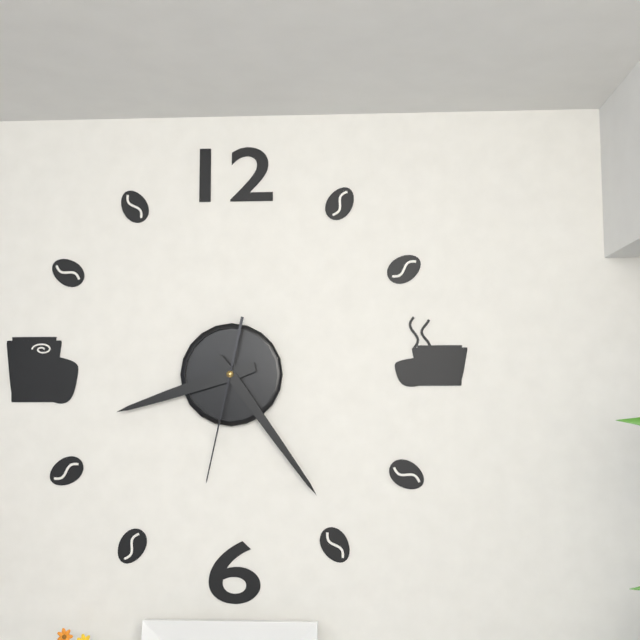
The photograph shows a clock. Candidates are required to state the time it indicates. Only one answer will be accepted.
8:24:32
